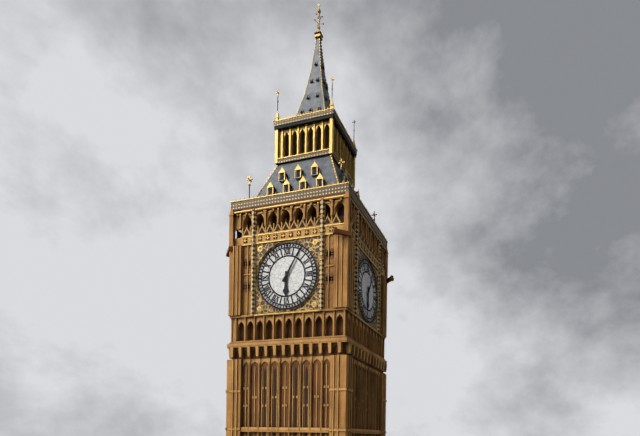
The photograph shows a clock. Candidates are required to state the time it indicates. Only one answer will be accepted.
6:05
